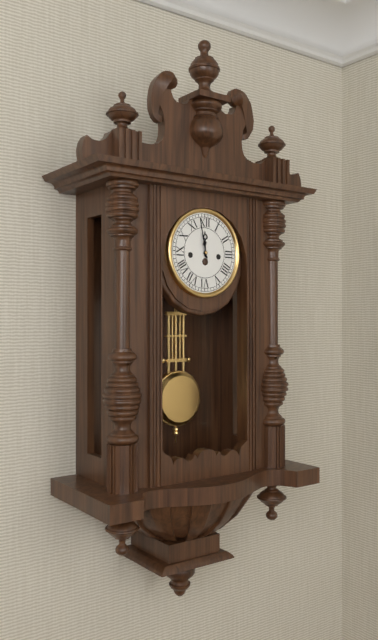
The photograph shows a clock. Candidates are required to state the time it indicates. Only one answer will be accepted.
11:58
